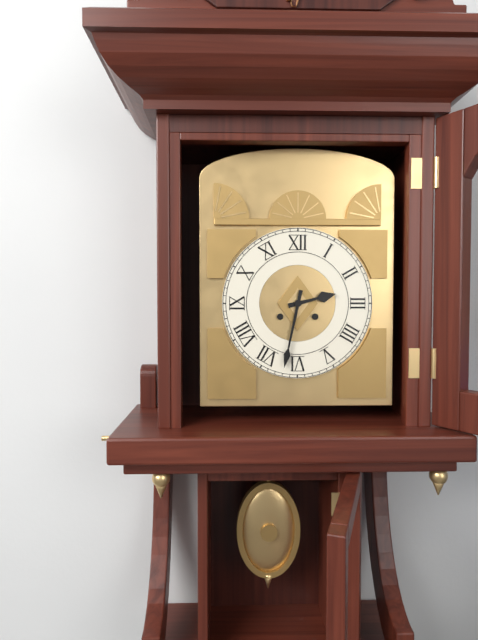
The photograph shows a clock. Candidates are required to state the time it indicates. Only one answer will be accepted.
2:32
